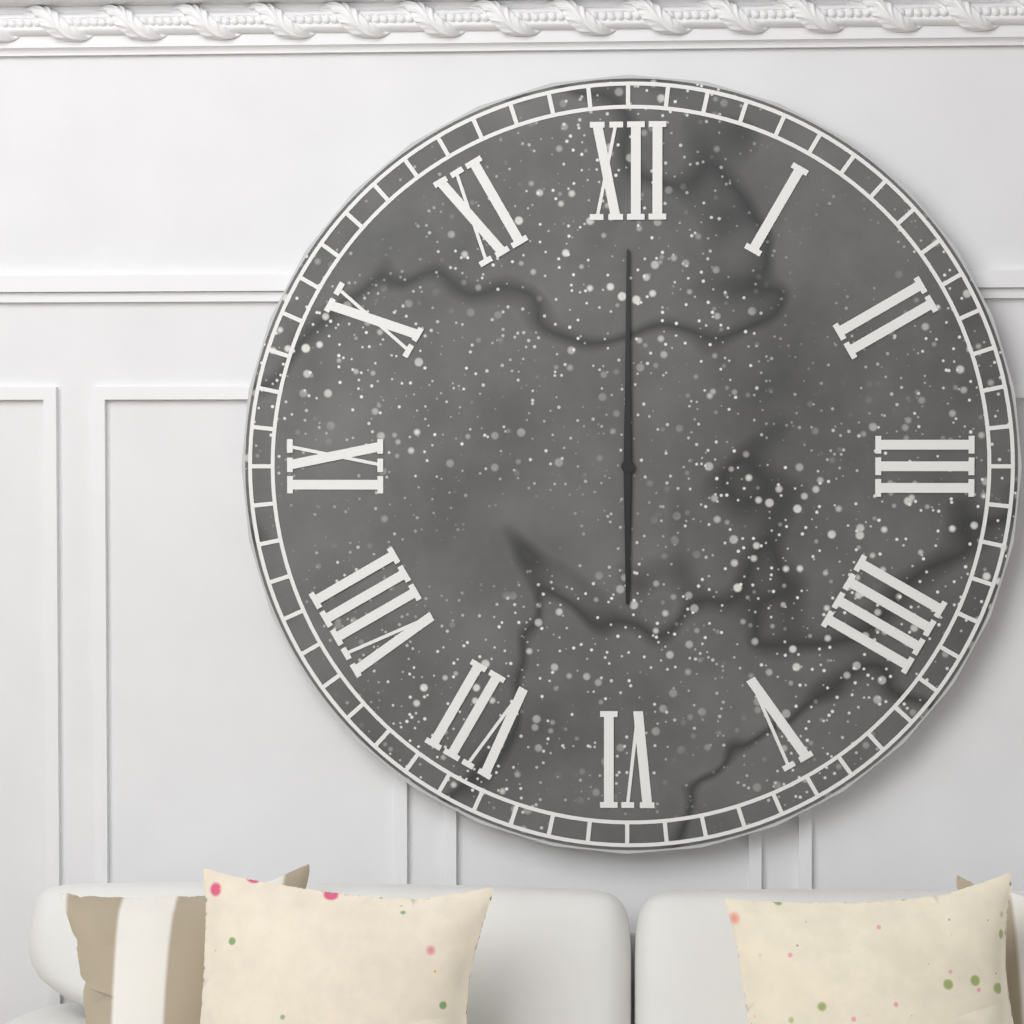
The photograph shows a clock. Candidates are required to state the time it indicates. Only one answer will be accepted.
6:00
